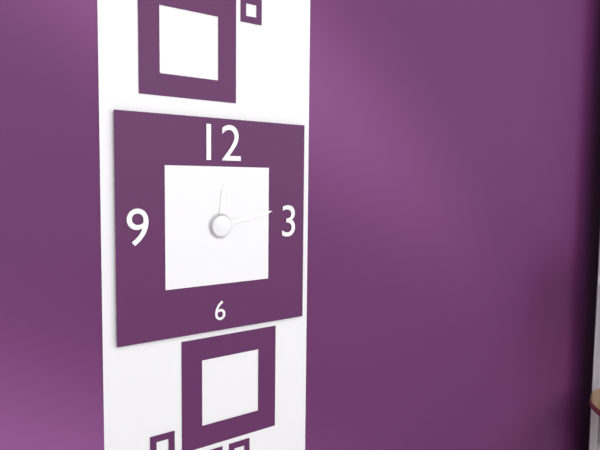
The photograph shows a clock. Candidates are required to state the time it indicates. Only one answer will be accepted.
12:13
